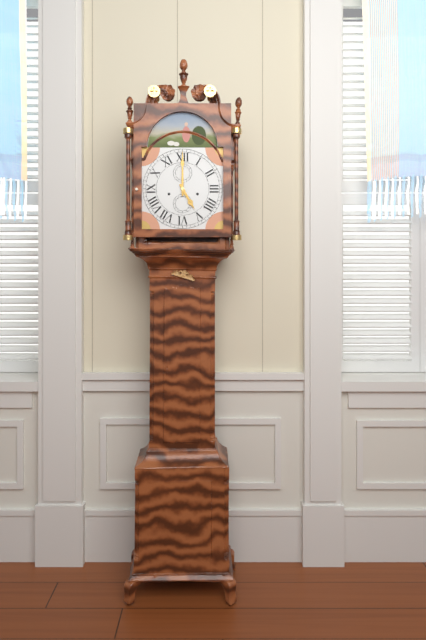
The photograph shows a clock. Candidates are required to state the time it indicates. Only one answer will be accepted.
5:00
